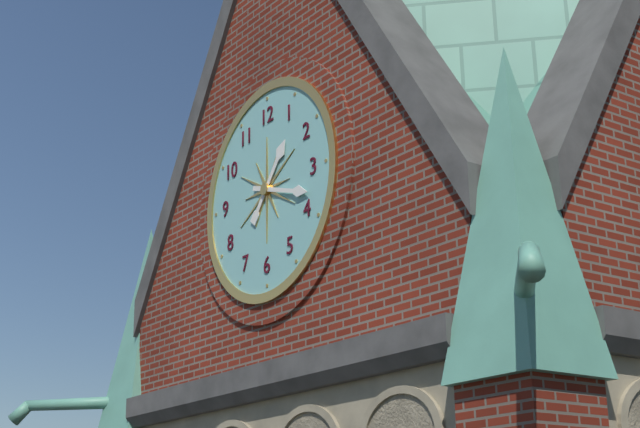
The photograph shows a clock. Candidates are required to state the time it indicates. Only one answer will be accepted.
1:18
